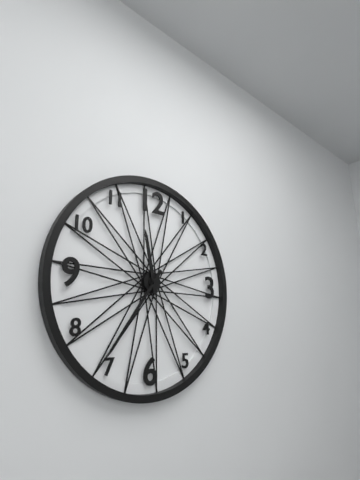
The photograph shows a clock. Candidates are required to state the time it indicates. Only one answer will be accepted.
11:36
